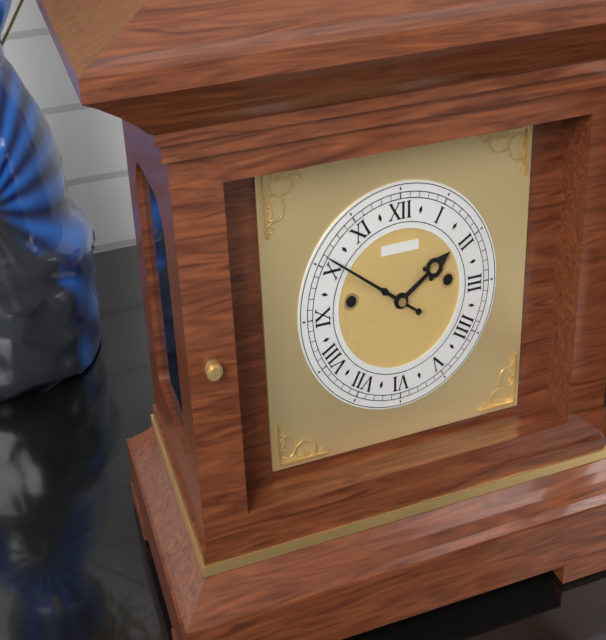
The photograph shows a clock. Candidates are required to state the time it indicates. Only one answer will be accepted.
1:51
